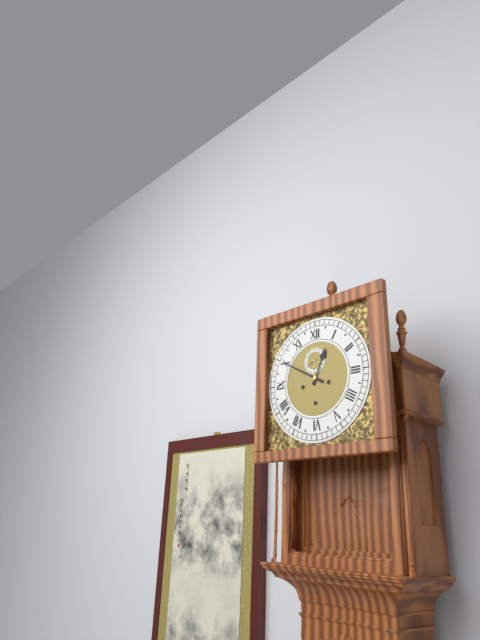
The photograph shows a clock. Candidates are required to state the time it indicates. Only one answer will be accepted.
12:50
